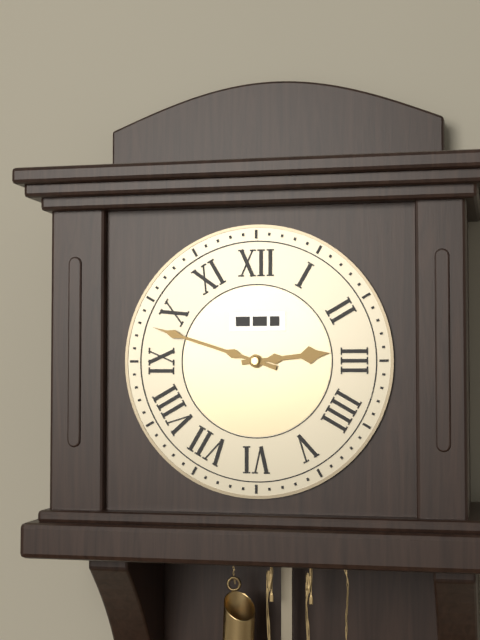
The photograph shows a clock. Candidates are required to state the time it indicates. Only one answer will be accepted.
2:48
